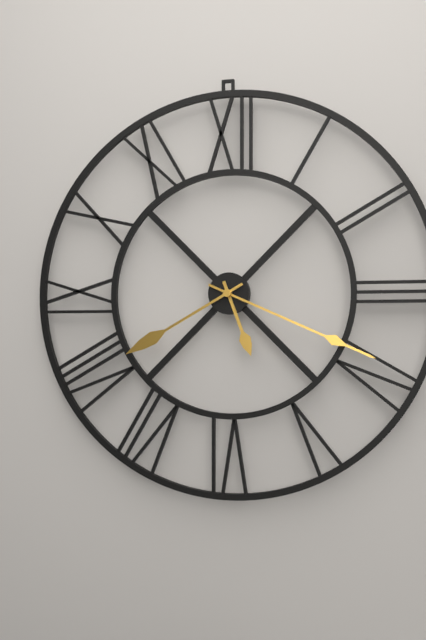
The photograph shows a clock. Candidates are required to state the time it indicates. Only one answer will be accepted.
5:19:40
